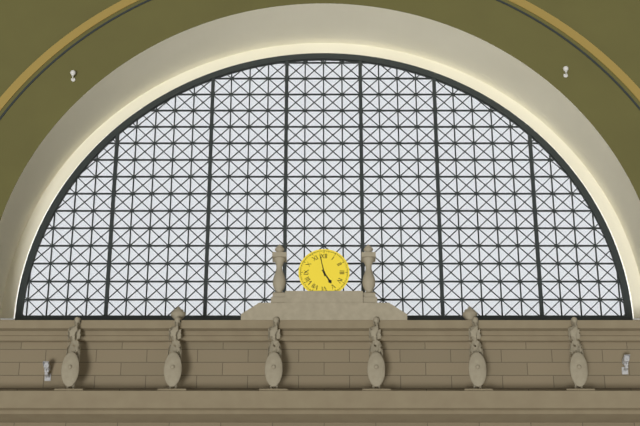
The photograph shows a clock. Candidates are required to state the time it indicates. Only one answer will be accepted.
4:58
